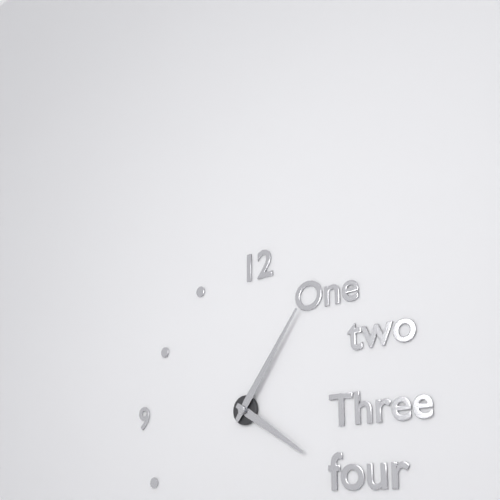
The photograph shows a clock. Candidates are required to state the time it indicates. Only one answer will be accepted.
4:06
